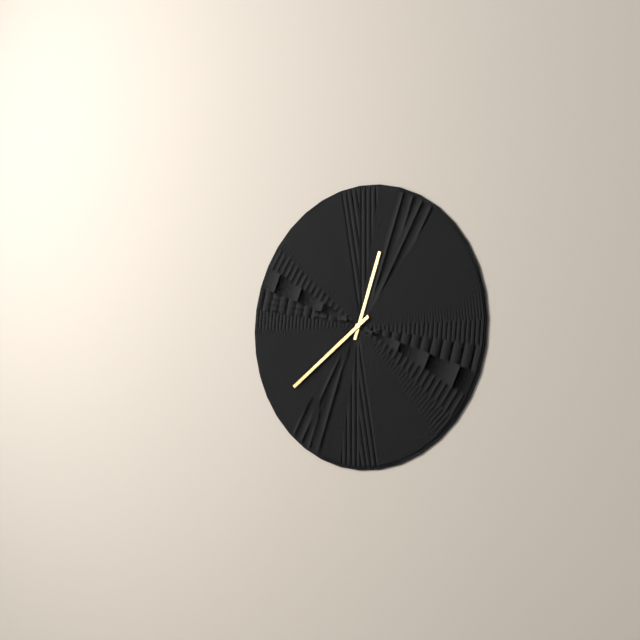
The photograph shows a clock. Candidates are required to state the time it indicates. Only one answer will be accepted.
12:39
